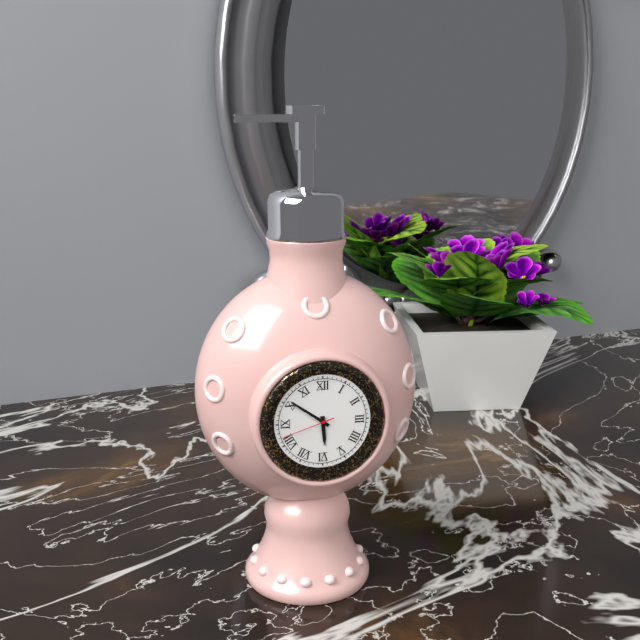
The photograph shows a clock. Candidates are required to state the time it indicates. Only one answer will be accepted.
5:51:42
